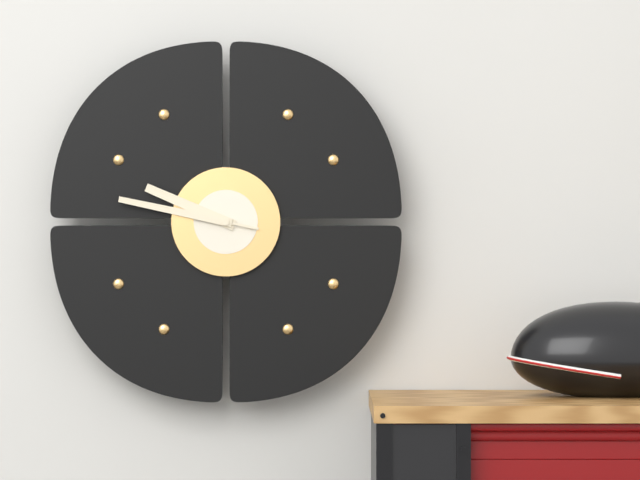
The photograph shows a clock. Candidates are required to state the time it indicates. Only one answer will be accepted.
9:47
